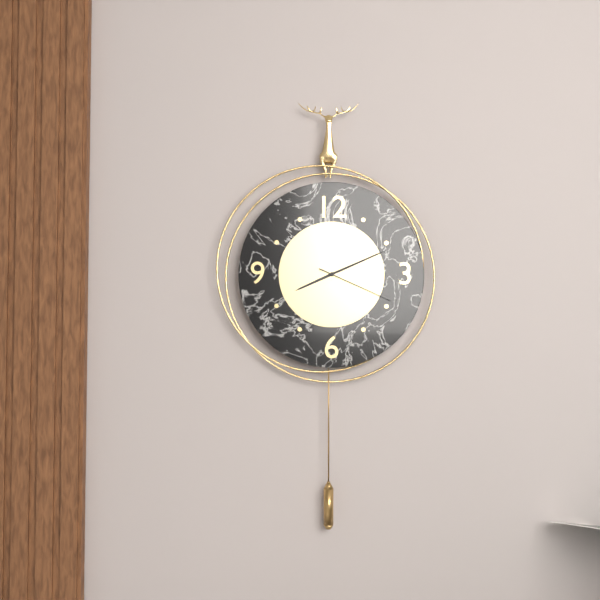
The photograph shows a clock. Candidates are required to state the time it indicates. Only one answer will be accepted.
8:11:19
